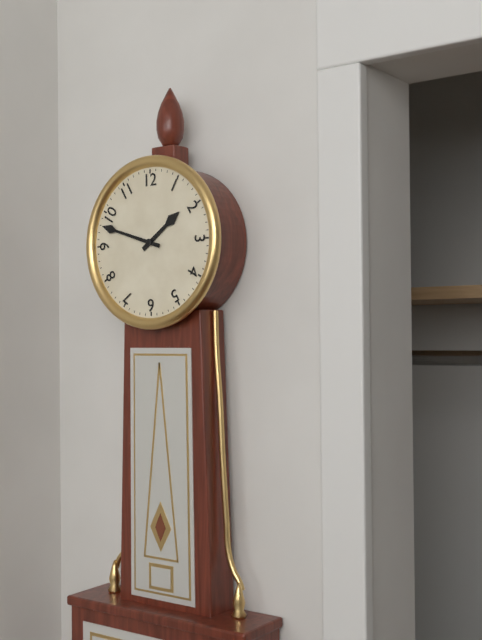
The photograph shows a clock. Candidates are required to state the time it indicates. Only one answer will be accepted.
1:48
